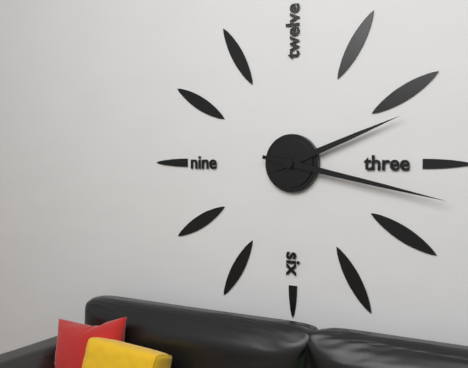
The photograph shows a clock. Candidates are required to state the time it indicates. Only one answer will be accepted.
2:17
